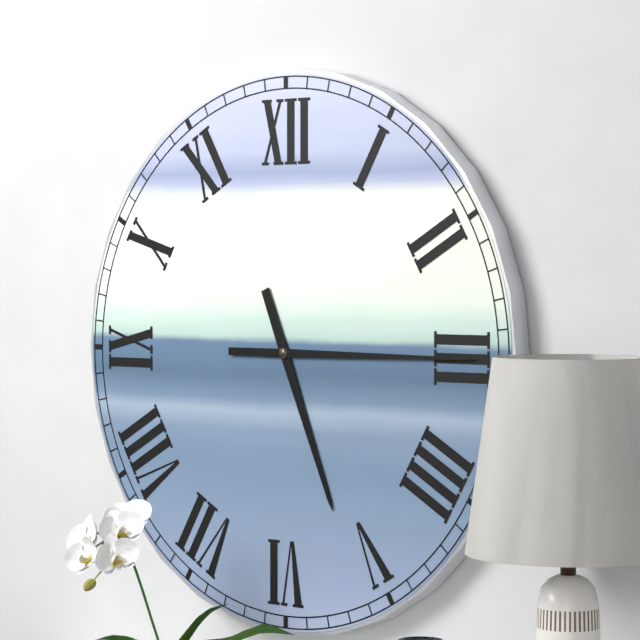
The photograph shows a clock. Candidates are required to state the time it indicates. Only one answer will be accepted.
5:15
